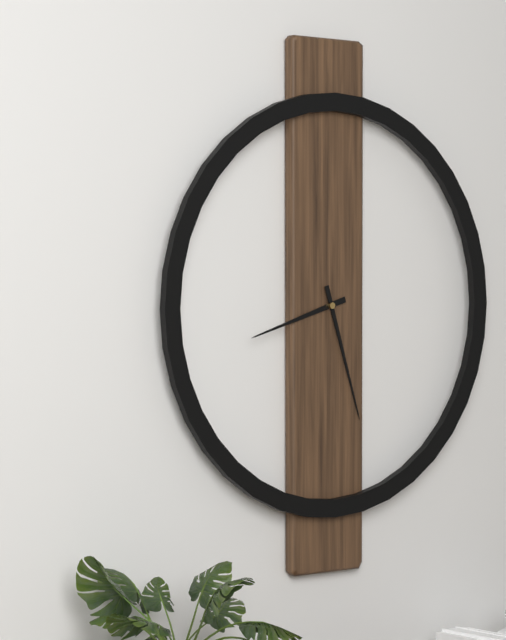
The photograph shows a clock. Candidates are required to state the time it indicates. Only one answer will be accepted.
8:27
